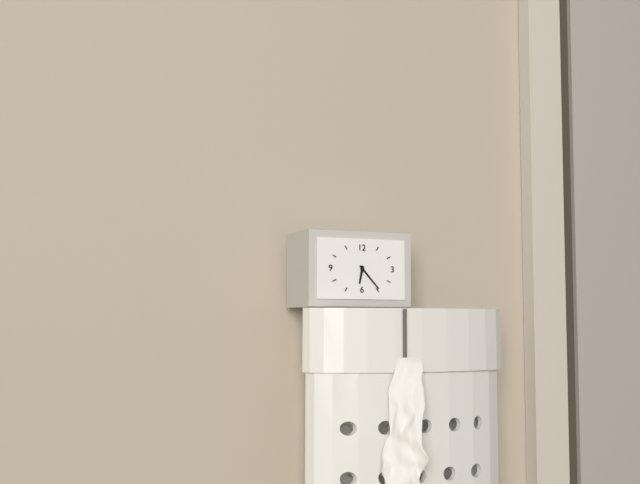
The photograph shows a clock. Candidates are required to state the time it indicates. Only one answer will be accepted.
6:23
